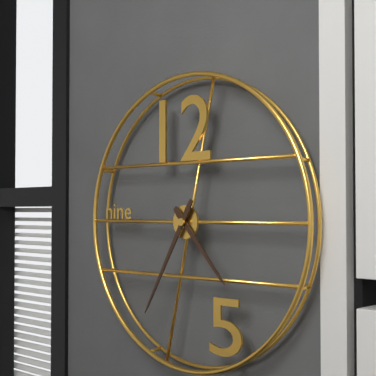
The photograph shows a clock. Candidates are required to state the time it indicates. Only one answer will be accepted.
4:35
